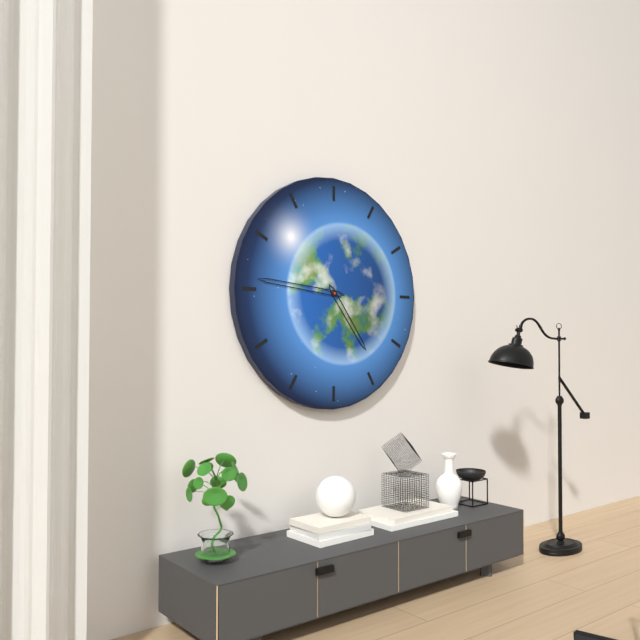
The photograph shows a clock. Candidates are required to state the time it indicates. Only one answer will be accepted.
4:46
